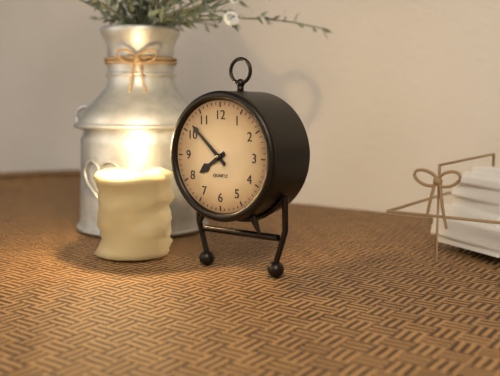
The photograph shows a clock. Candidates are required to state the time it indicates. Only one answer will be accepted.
7:52
